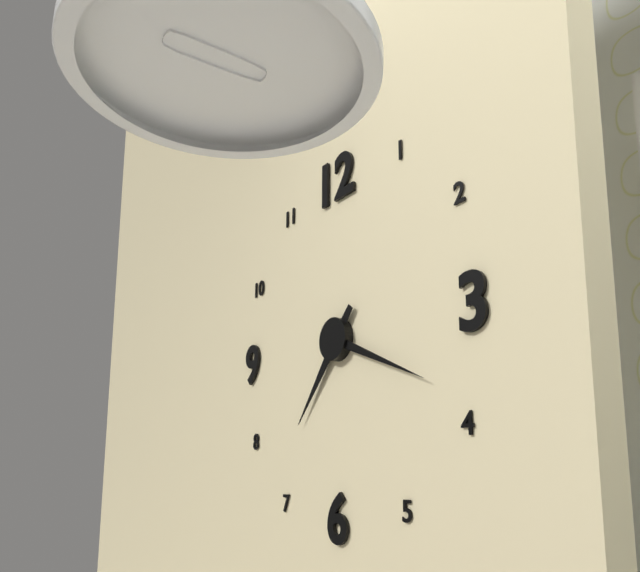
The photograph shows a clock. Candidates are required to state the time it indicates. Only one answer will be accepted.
7:19
